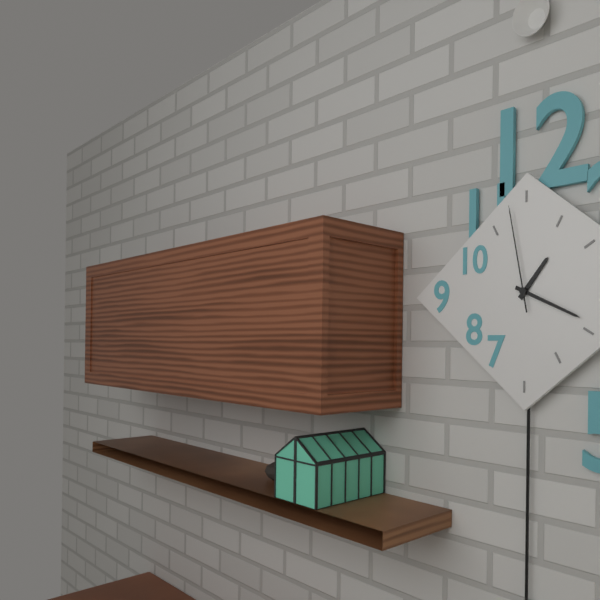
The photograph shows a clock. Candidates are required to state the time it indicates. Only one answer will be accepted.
1:19:58
